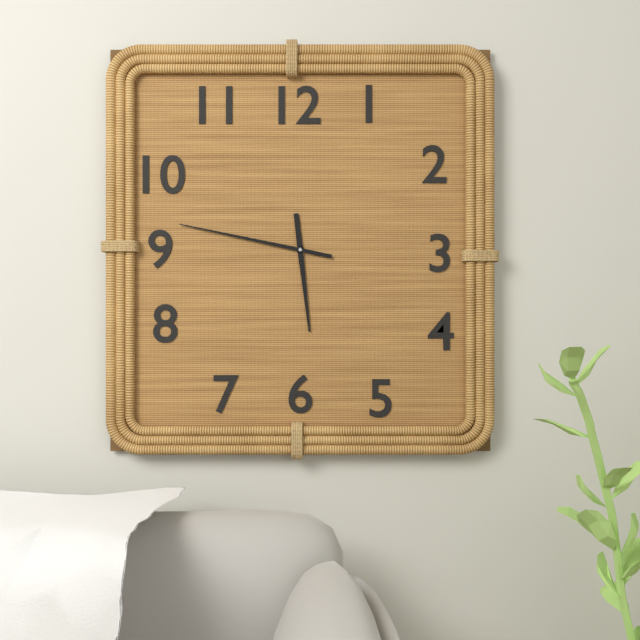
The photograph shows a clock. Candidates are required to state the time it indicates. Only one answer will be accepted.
5:47
